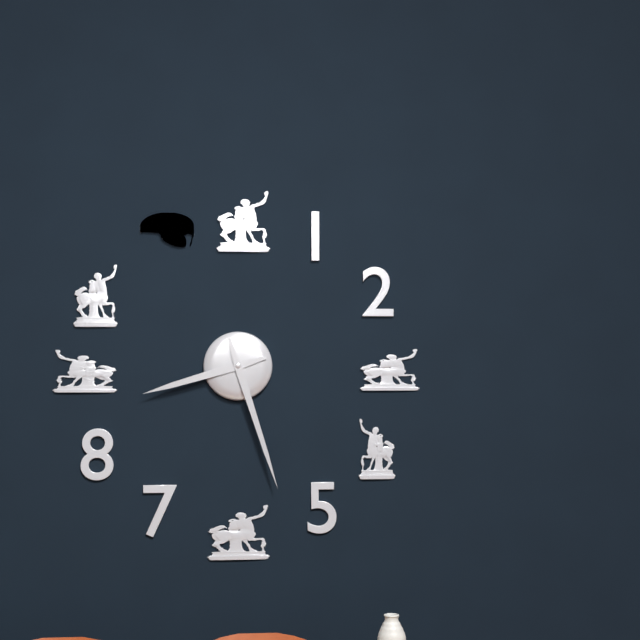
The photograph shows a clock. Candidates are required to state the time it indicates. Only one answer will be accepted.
8:27
